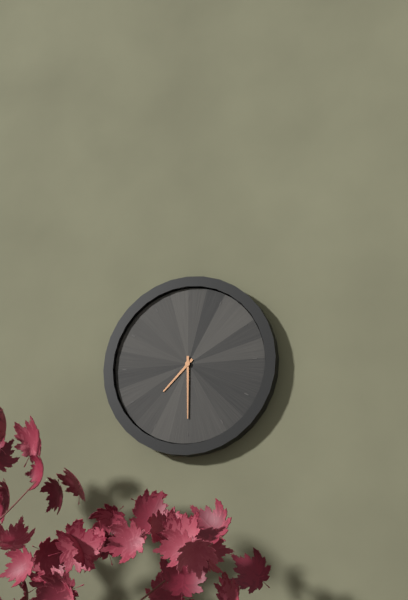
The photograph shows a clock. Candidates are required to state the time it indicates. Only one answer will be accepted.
7:30
